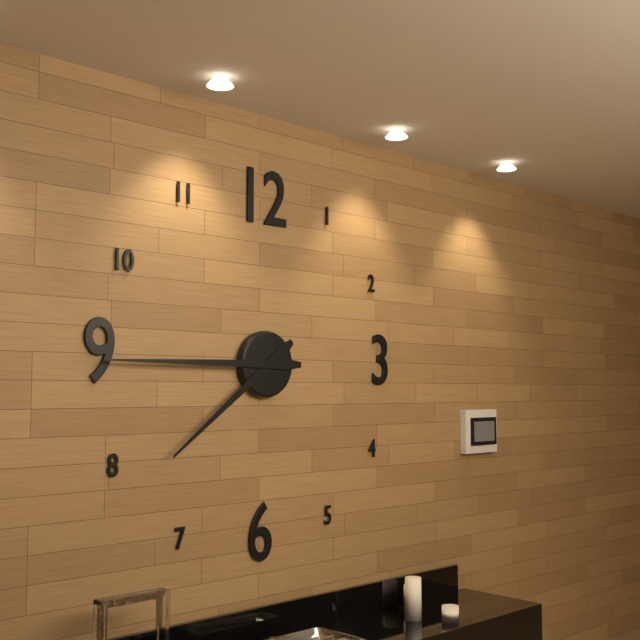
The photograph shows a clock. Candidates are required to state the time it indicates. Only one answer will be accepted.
7:45
